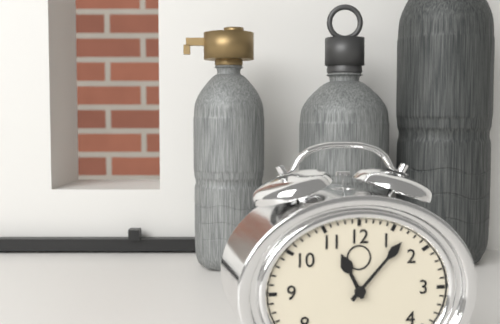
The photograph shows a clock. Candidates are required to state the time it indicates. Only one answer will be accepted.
11:07
